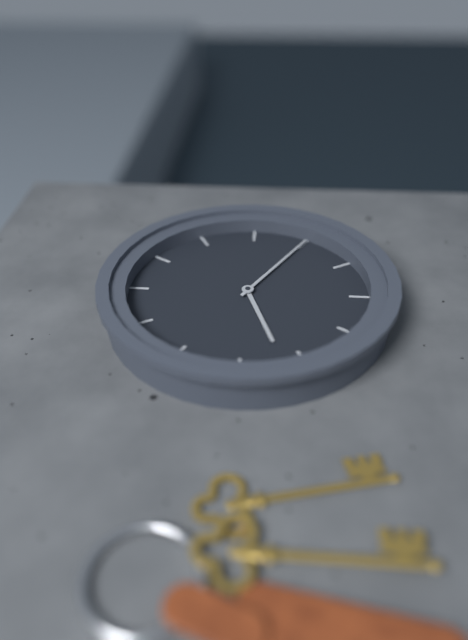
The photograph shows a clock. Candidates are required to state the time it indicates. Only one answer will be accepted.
8:20
